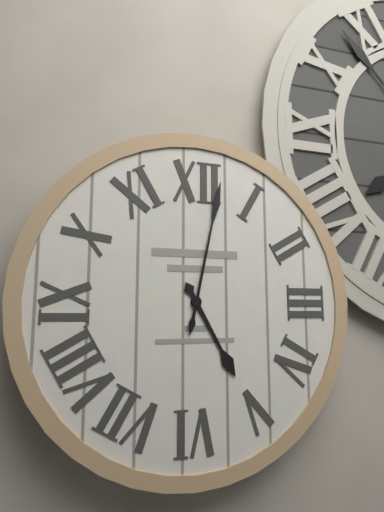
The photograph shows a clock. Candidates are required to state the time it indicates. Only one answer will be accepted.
5:02
